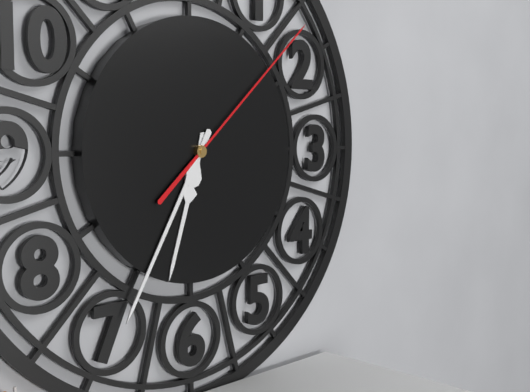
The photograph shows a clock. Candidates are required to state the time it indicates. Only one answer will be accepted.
6:35:08
